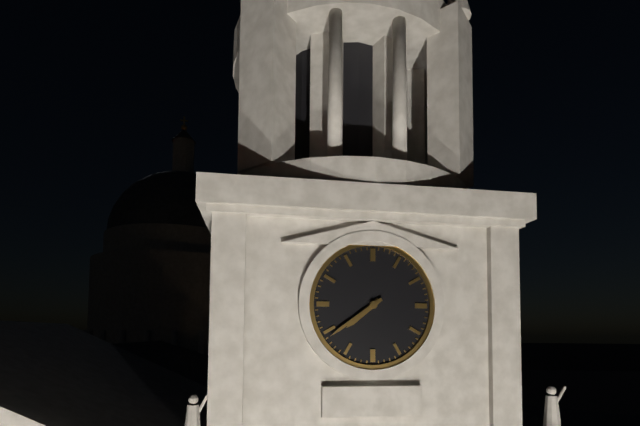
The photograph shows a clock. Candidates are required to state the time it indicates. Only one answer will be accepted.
7:39
